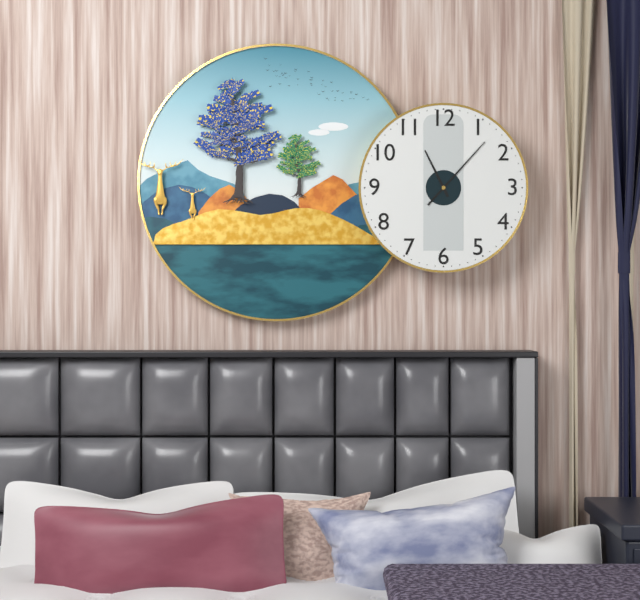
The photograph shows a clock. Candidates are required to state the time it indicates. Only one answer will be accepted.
11:07
